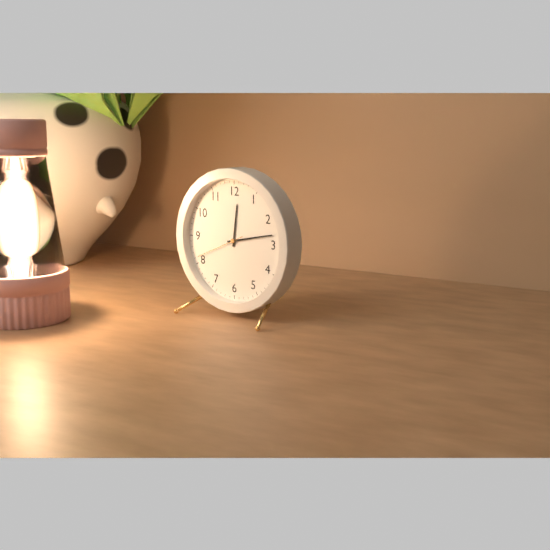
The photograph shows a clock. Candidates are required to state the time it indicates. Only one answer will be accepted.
12:13:41
